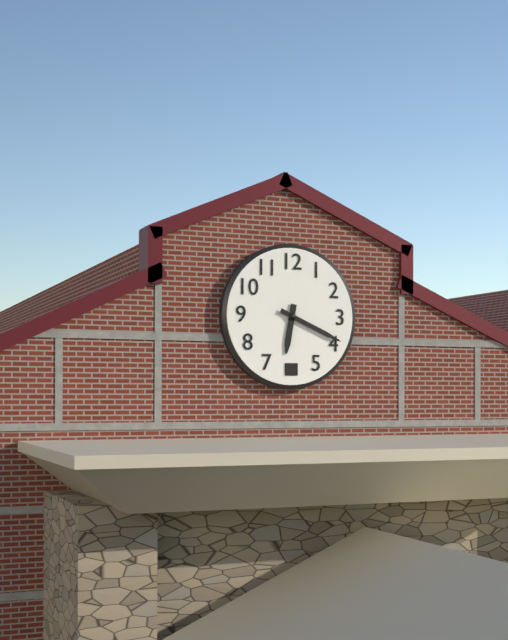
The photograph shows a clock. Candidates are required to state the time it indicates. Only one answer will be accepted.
6:19
